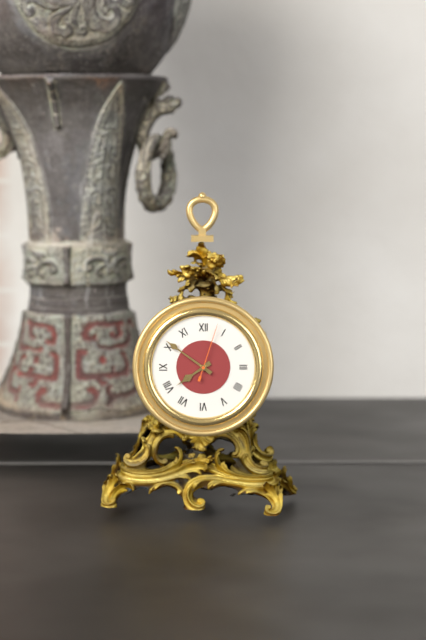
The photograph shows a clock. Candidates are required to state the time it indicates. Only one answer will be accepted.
7:51:03
